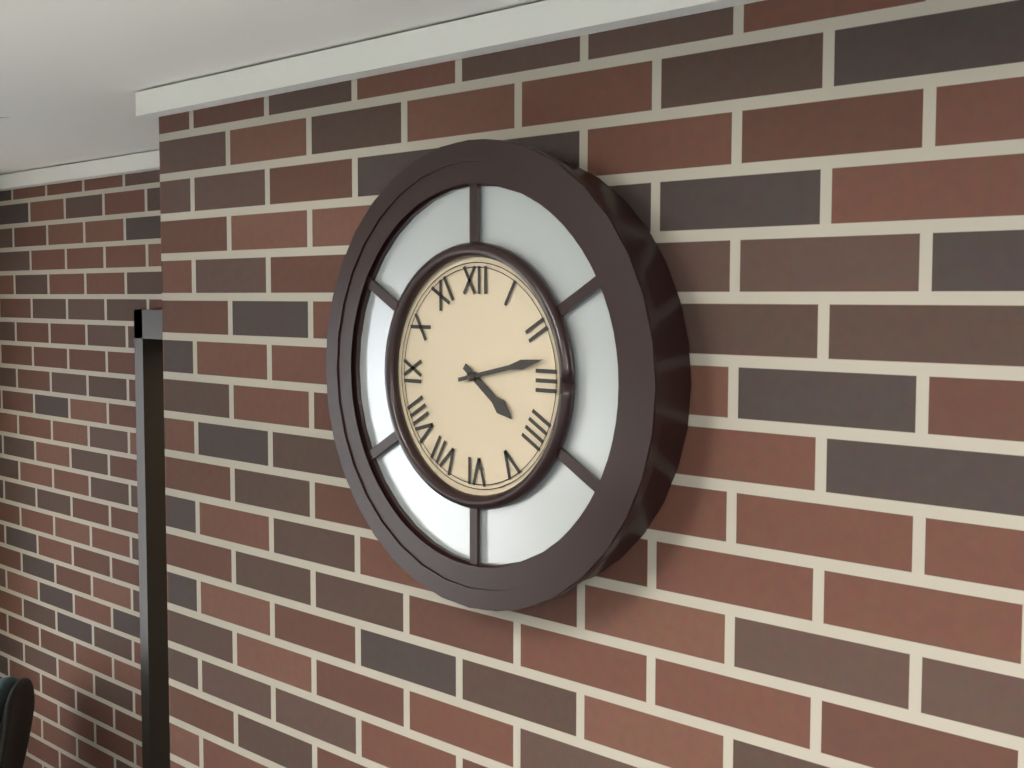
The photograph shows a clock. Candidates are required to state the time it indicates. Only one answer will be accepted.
4:13
